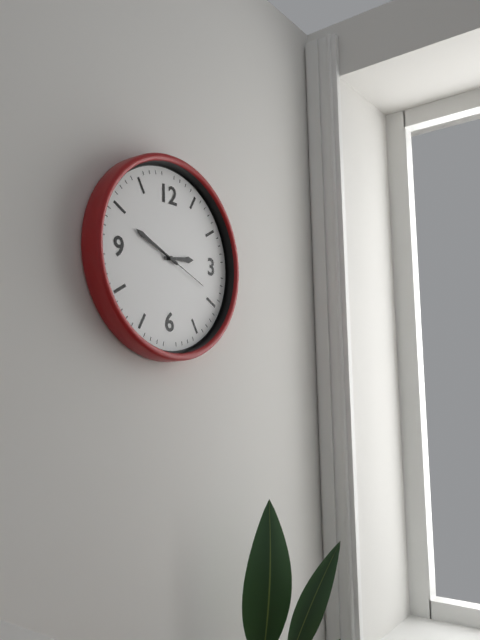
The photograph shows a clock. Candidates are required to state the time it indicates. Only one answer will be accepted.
2:49:19
